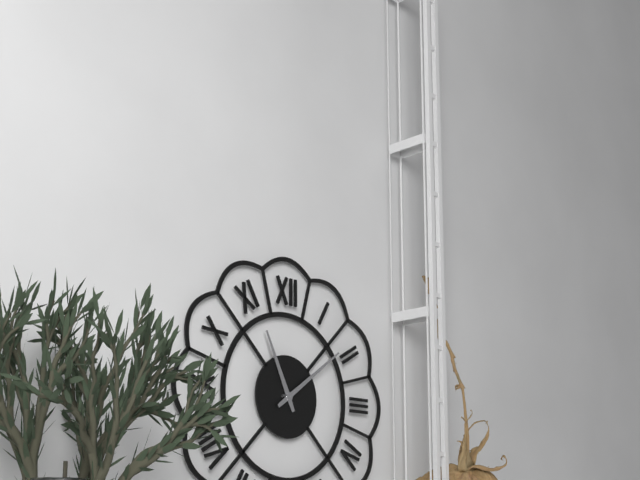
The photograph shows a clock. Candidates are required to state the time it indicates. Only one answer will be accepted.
11:09
